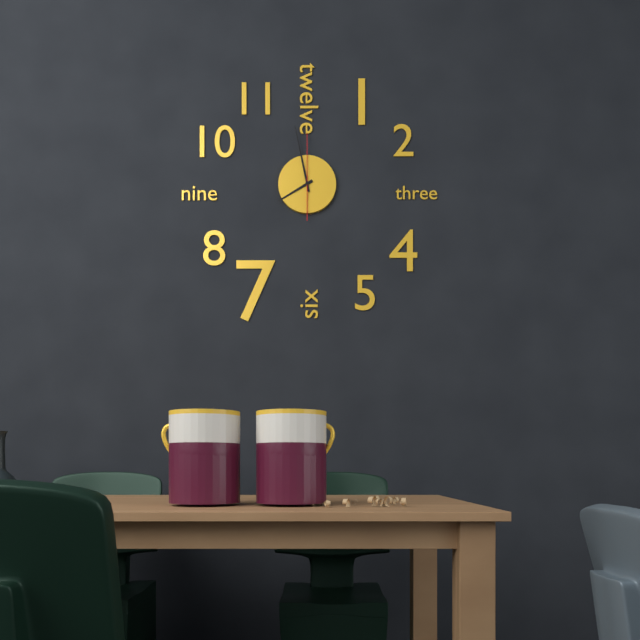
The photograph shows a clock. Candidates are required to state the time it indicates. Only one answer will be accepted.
7:58:00
